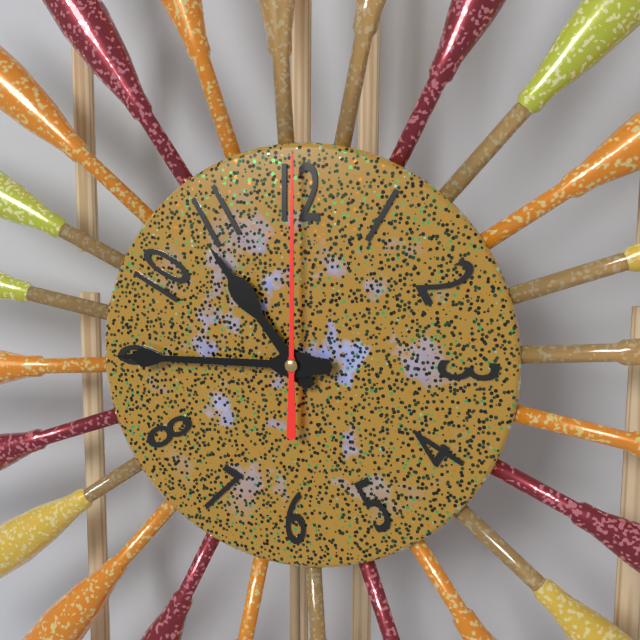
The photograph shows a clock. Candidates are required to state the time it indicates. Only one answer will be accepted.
10:45:00
